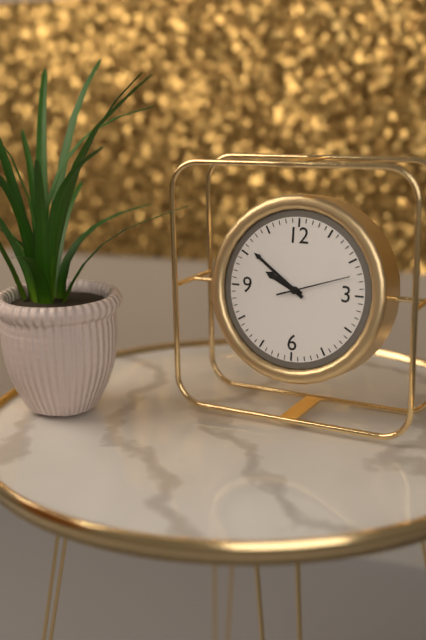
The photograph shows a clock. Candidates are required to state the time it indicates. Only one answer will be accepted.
9:51:12
